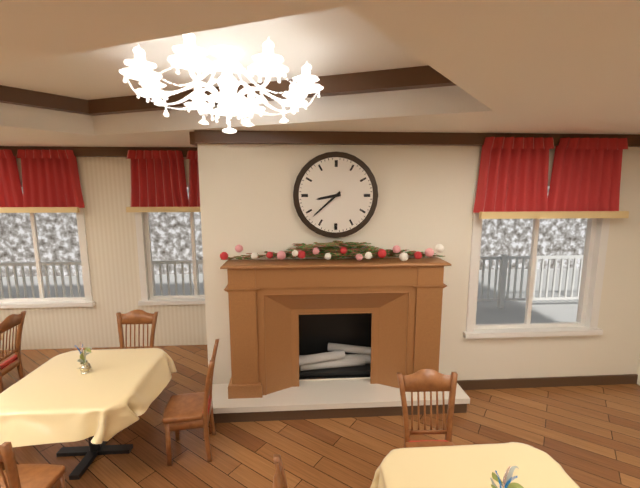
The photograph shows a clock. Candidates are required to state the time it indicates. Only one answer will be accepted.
8:38
